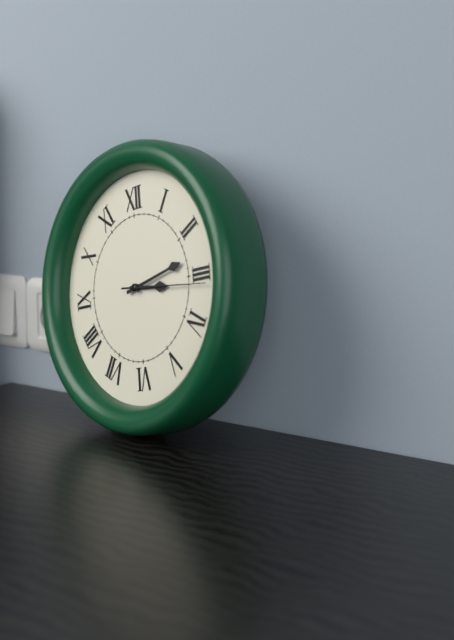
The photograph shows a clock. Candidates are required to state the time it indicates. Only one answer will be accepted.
3:13:16
